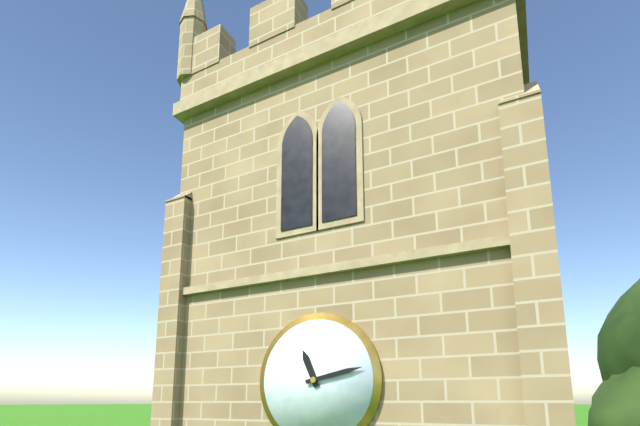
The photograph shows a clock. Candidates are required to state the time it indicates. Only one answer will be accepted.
11:13
